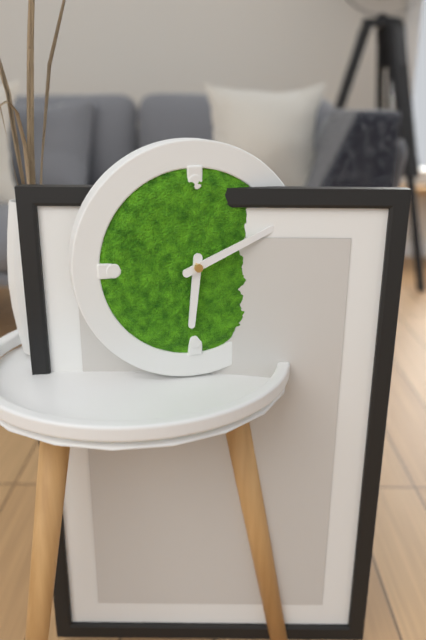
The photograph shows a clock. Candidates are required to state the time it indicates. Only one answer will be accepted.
6:11
